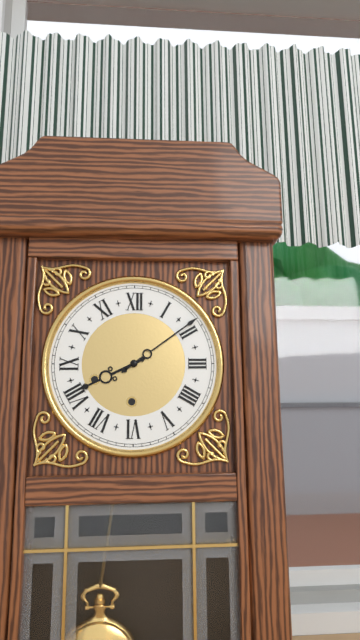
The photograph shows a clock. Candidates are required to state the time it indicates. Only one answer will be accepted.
8:09
